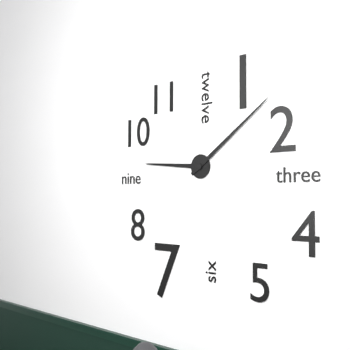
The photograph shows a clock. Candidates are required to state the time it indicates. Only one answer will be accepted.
9:09
